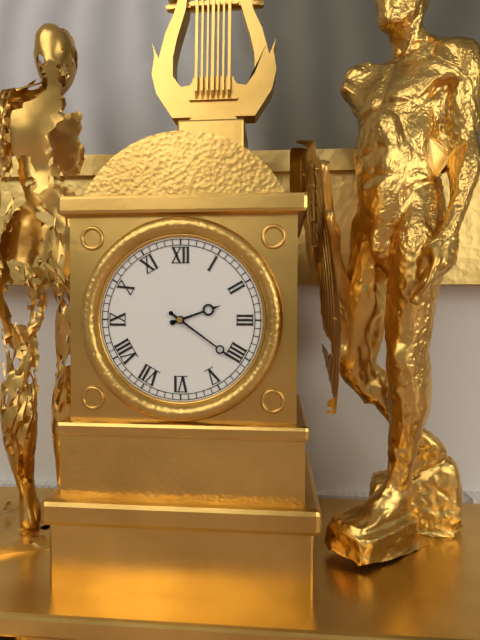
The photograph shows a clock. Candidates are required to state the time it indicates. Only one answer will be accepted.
2:21
